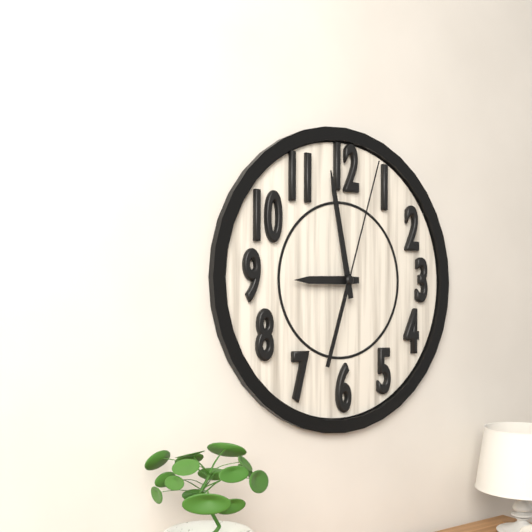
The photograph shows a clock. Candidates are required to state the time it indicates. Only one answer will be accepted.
8:58:03
